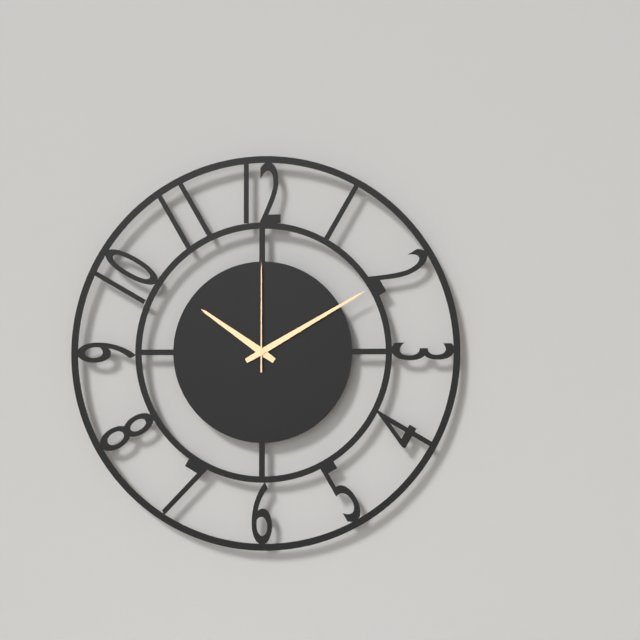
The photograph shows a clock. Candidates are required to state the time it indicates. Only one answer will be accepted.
10:10:00
